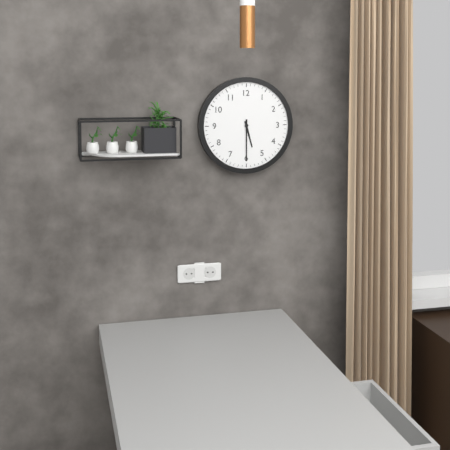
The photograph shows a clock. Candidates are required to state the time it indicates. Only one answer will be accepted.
5:30
